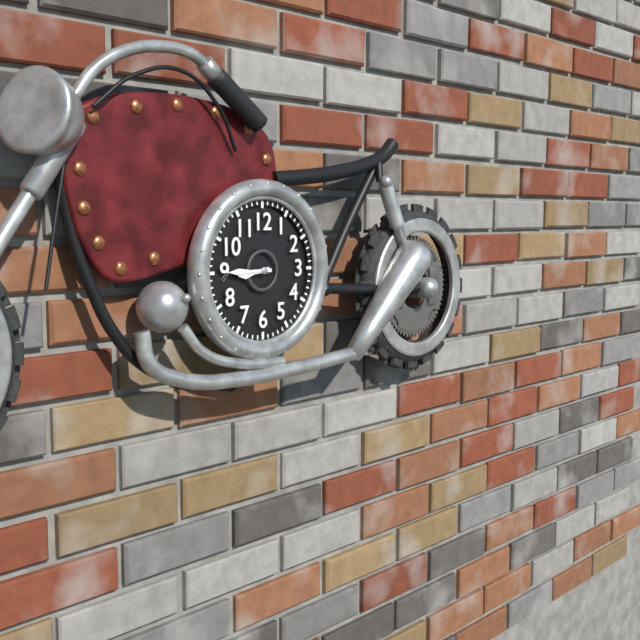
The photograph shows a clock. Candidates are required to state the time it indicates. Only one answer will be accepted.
8:45
